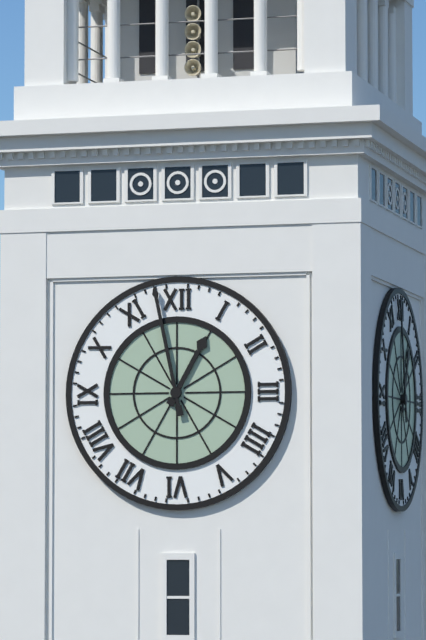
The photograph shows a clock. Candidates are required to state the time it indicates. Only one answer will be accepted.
12:58
